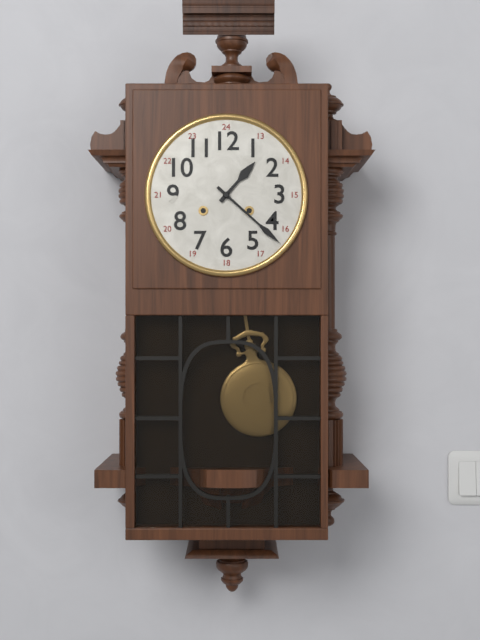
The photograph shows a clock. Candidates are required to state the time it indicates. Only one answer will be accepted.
1:22
